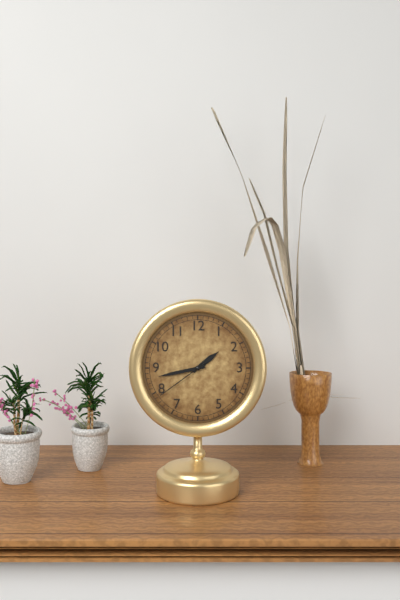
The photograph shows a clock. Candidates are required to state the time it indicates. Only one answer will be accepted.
1:43:39
